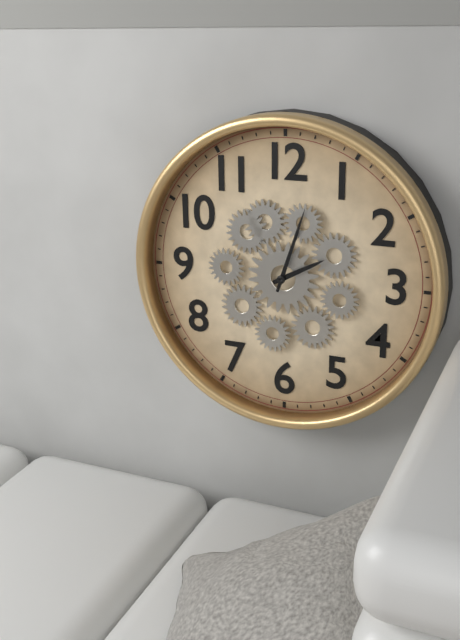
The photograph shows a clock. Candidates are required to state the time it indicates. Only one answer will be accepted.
2:03
